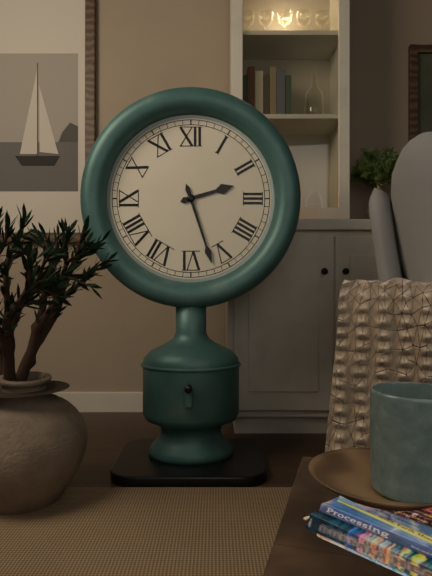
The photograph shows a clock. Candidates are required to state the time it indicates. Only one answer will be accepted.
2:27
